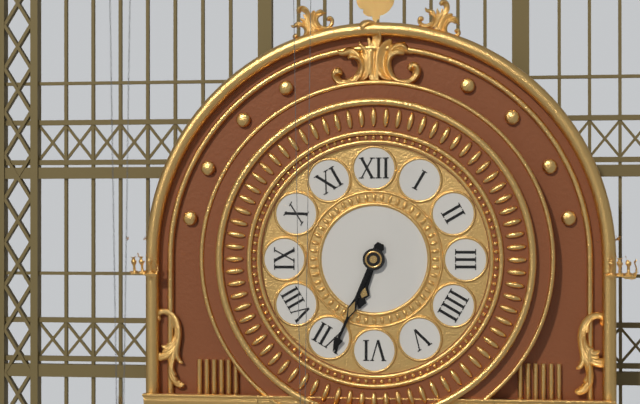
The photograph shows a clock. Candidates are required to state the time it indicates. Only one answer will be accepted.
6:34
